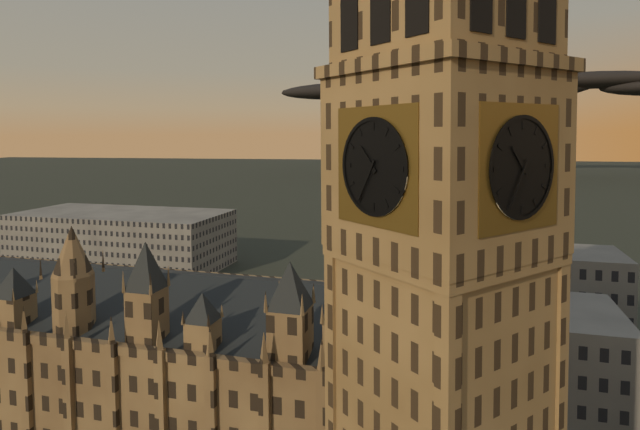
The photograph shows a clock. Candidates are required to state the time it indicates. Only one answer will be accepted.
10:35
